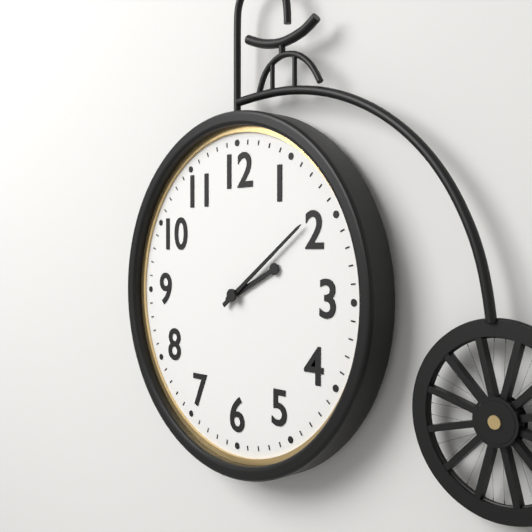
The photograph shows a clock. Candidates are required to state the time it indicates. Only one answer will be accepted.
2:09
